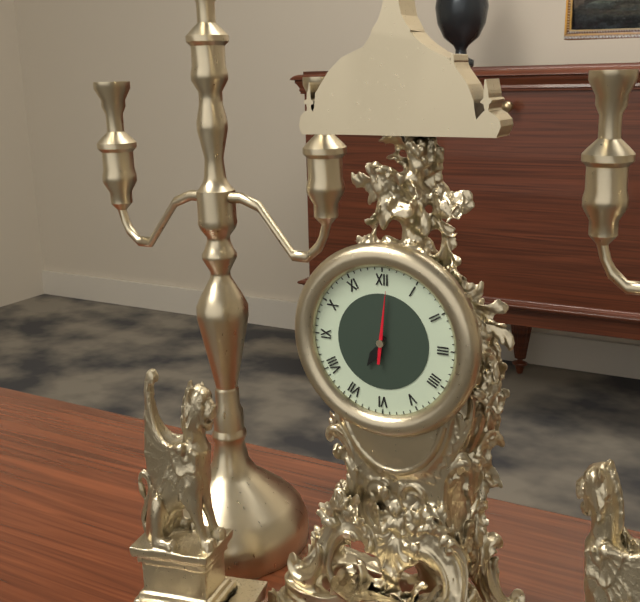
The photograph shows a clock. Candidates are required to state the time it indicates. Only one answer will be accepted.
7:01
